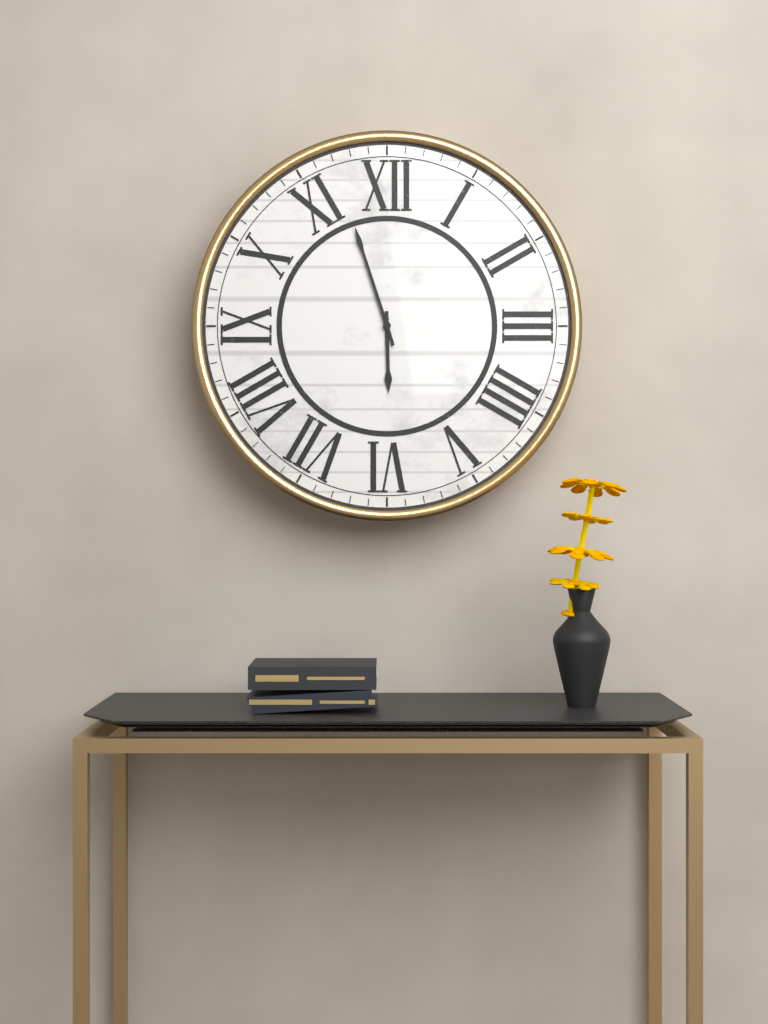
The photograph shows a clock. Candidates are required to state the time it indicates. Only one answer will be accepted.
5:57
